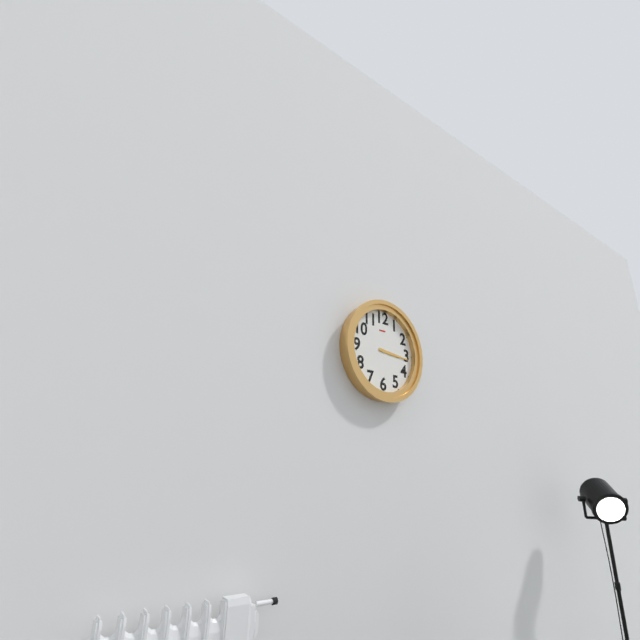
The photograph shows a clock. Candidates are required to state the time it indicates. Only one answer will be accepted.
3:16
